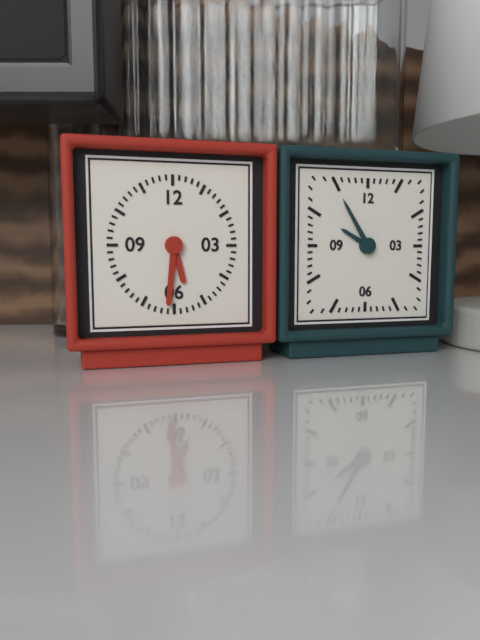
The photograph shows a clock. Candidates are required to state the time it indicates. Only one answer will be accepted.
5:31
